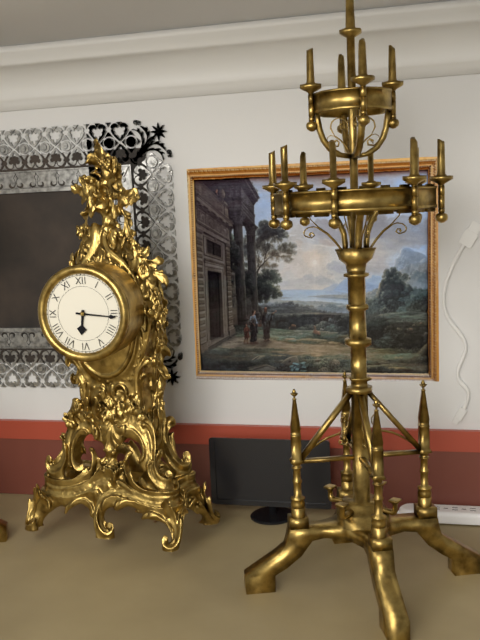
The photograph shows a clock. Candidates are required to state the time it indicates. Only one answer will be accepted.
6:16
